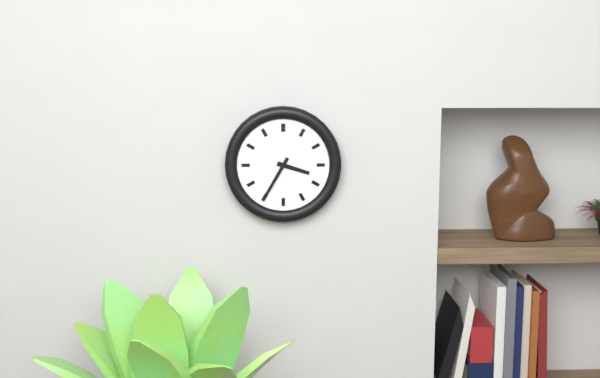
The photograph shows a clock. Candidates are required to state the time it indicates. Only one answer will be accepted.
3:35
